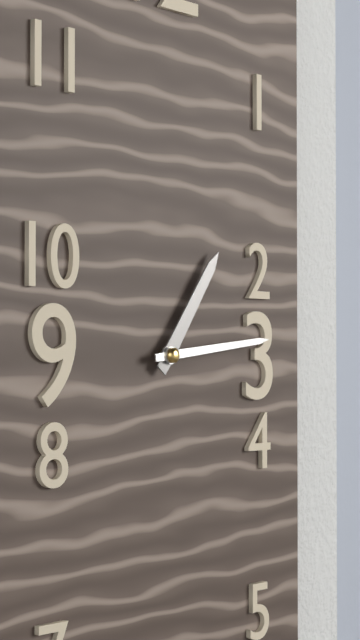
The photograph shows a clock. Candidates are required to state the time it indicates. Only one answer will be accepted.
1:14
